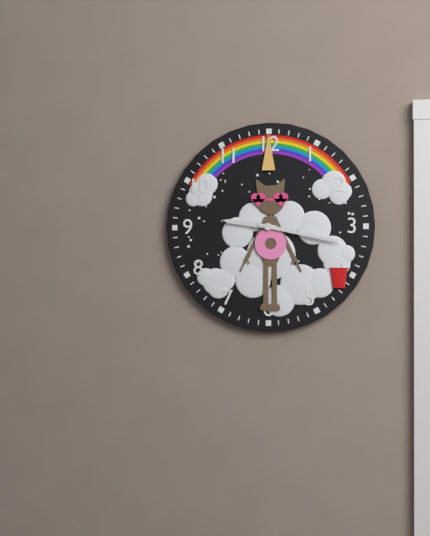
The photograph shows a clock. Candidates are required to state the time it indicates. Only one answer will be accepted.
9:17
